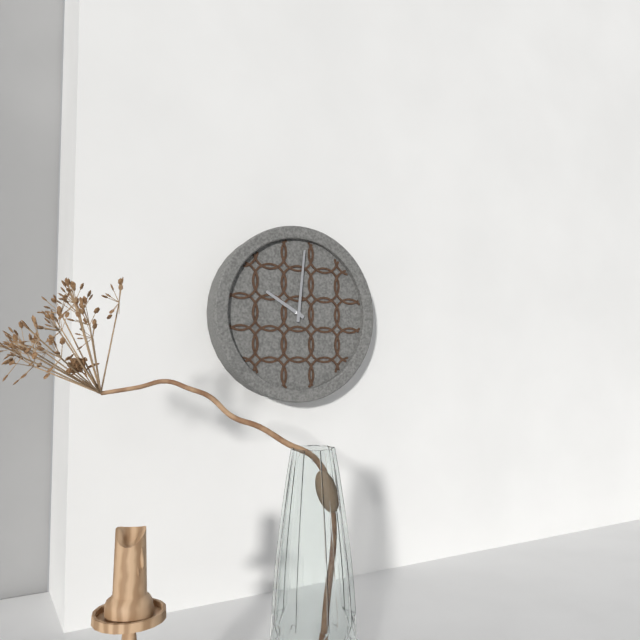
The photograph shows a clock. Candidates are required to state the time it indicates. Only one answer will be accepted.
10:01
